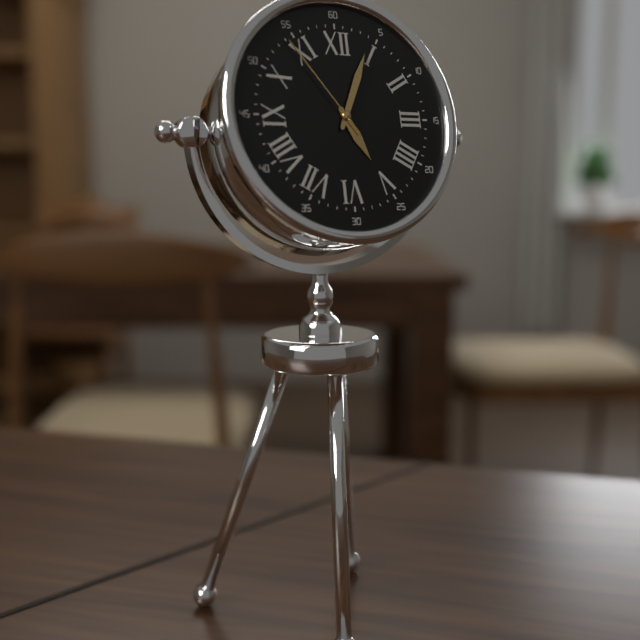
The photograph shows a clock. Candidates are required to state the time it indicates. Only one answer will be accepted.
5:04:54
